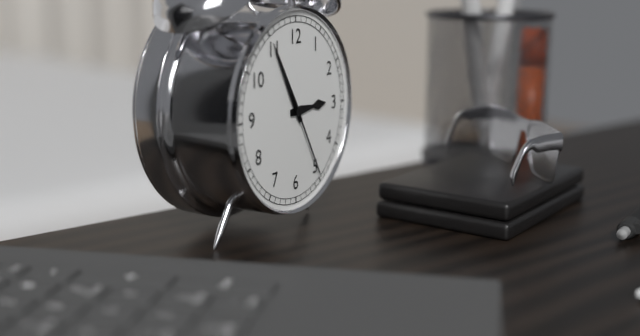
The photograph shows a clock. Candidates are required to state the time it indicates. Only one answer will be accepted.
2:55:25
